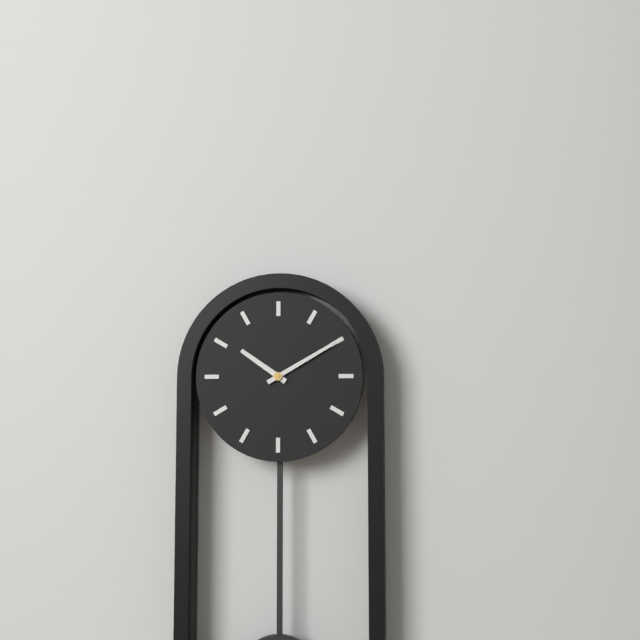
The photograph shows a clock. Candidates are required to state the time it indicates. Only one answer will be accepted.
10:10
